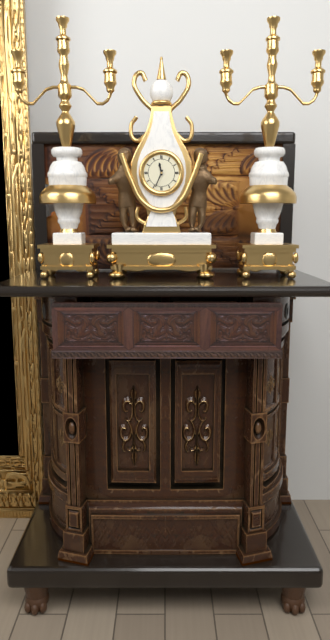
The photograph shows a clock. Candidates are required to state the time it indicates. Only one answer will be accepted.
11:34
